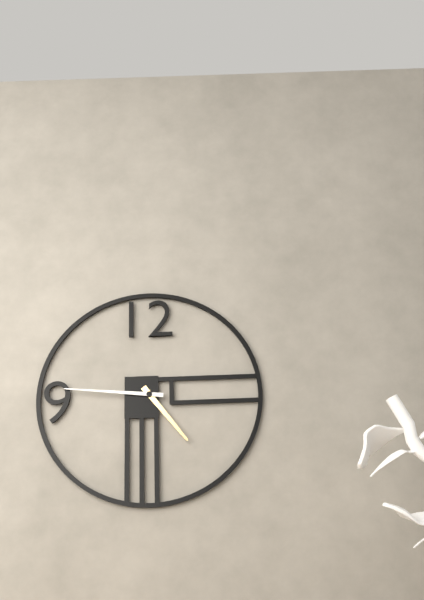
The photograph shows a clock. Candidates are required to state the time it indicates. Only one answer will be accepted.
4:46
